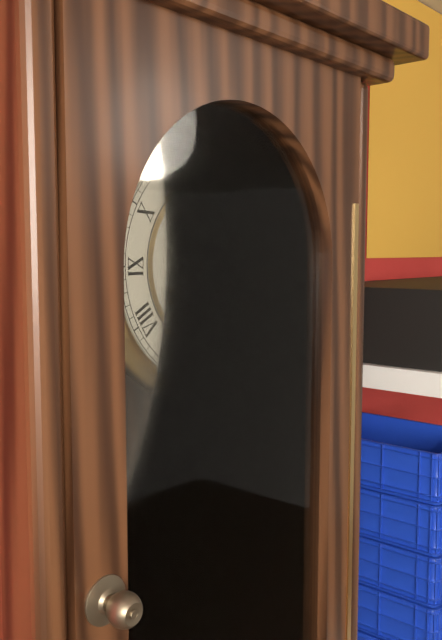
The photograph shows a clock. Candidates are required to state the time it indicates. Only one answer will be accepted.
5:54
